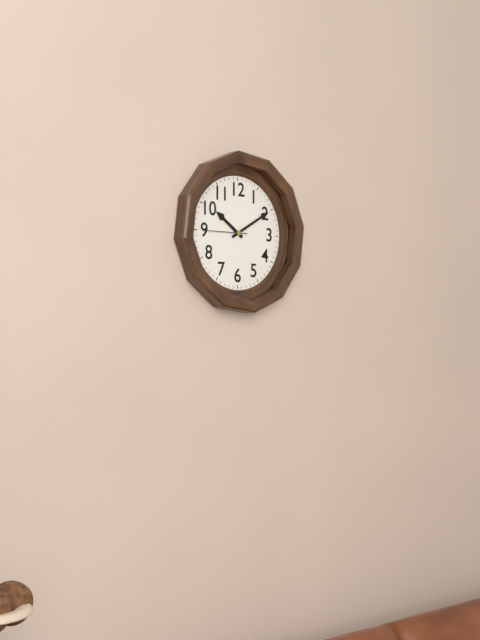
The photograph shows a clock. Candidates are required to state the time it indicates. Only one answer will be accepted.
10:10
